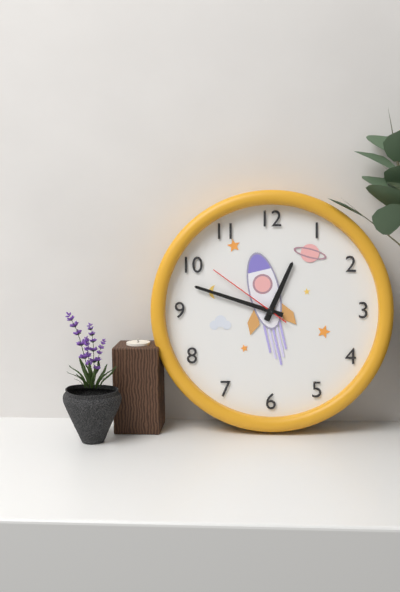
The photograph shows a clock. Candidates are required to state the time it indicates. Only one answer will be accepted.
12:48:51
